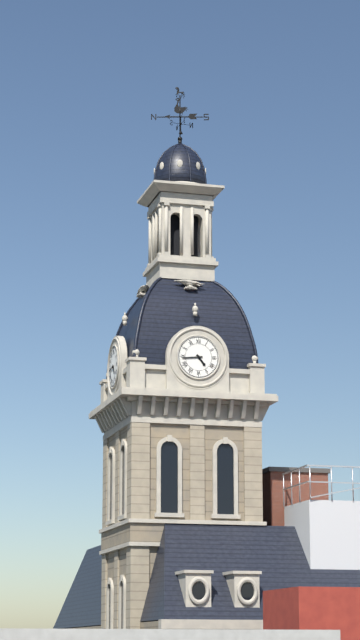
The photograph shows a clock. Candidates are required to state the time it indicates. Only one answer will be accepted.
4:44
